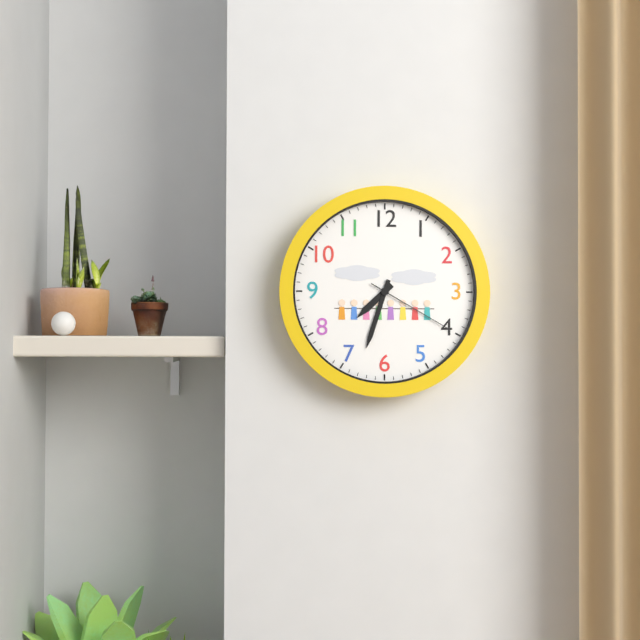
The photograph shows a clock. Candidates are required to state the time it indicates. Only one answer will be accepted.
7:33:20
